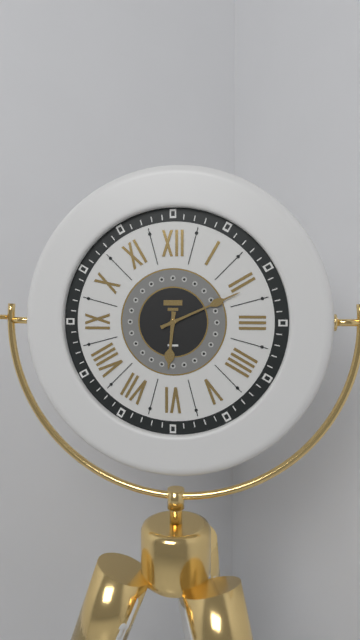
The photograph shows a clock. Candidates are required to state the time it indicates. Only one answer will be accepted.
6:11
